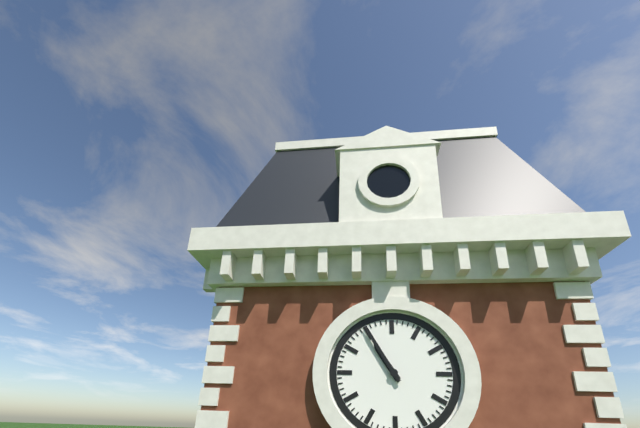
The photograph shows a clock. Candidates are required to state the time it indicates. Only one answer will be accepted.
10:55
